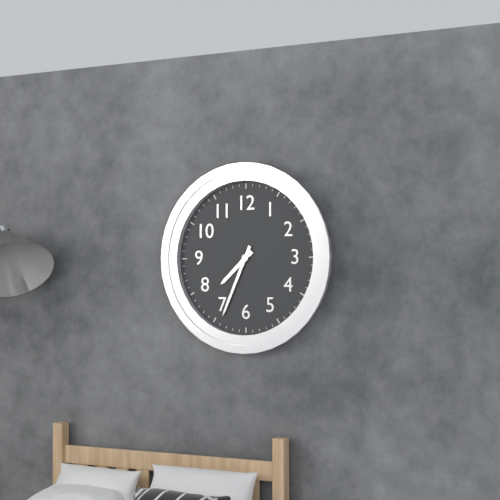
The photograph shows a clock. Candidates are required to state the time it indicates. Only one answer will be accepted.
7:34
